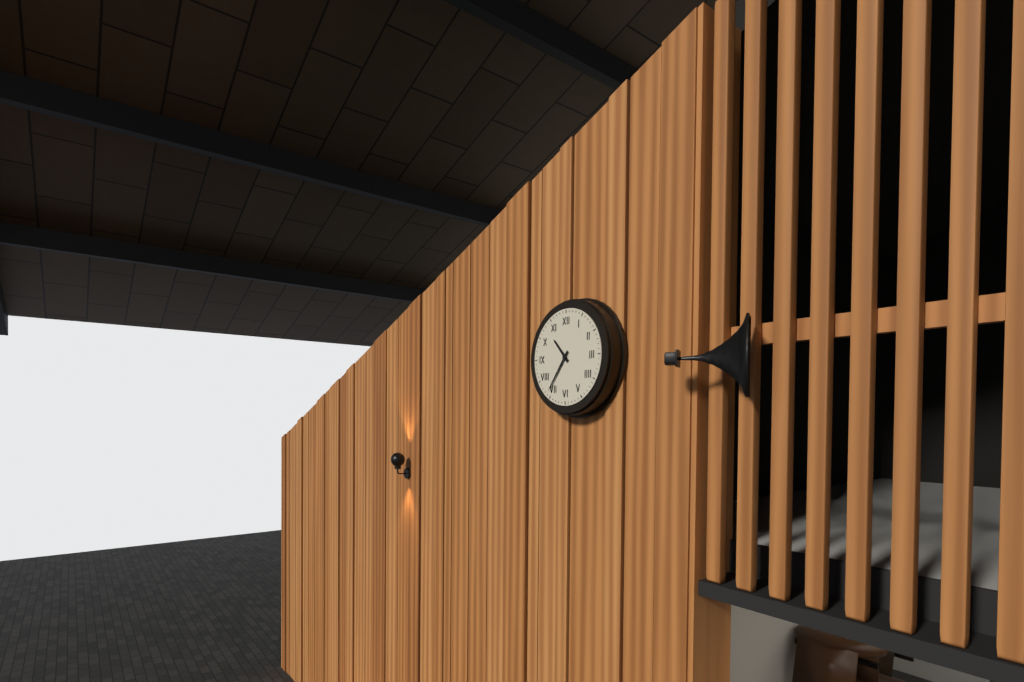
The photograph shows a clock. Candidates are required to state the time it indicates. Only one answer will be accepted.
10:36
